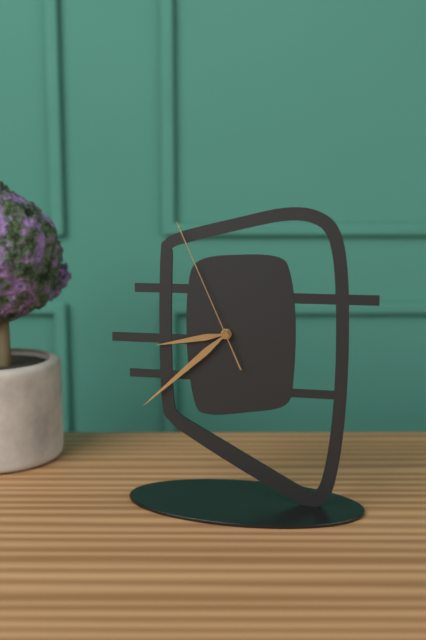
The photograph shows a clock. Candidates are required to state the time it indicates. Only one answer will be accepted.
8:38:56
